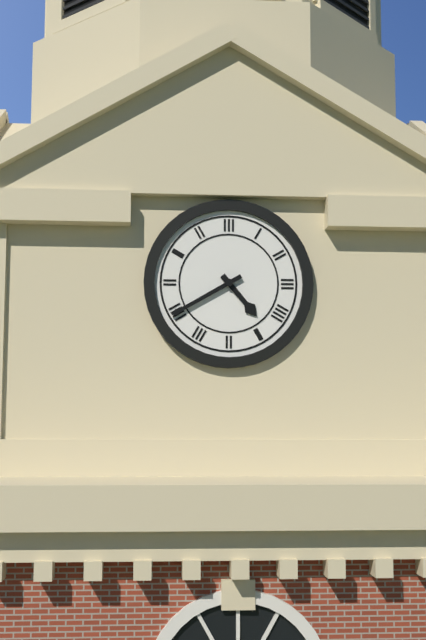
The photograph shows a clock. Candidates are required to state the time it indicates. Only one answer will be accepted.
4:40
